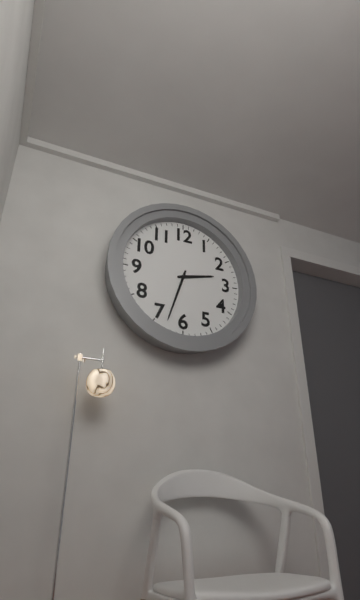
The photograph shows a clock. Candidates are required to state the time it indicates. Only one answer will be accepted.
2:33
